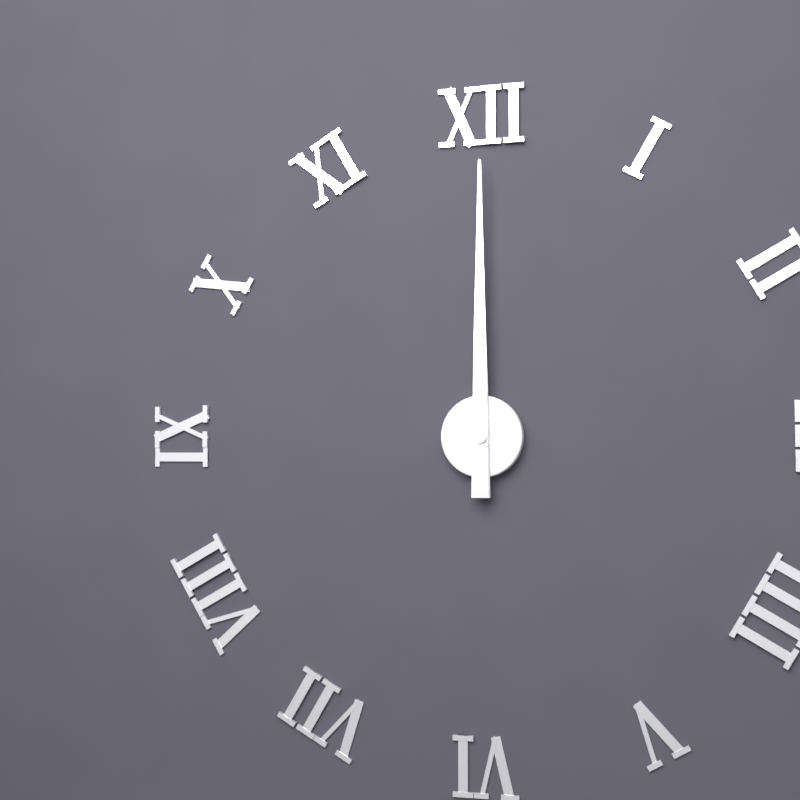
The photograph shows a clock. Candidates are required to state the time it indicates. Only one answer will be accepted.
12:00
